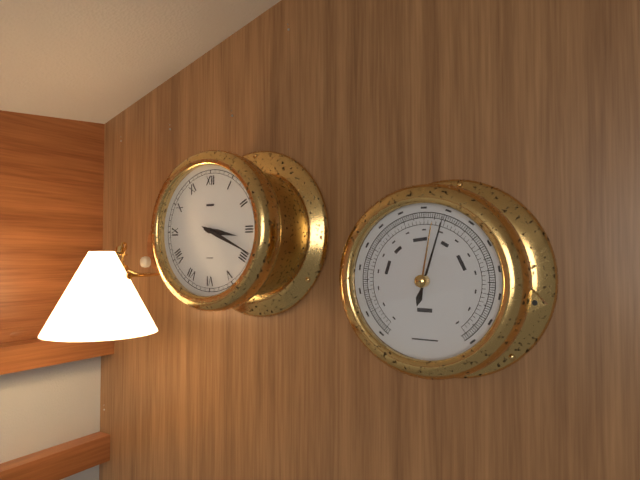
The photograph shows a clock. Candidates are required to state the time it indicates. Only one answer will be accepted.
3:19
